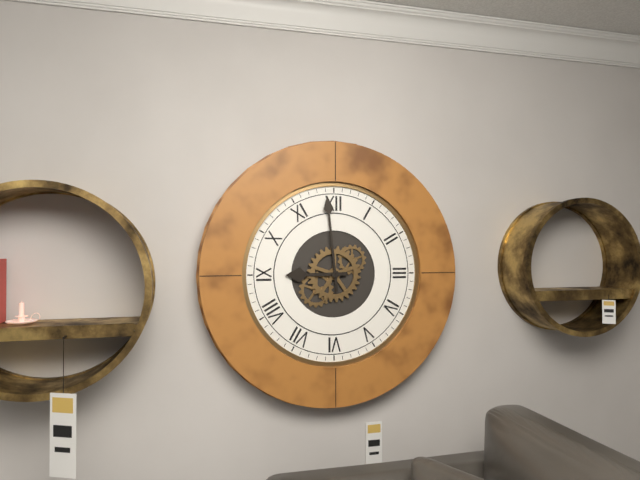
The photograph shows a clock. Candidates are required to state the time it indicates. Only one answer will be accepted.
8:59
